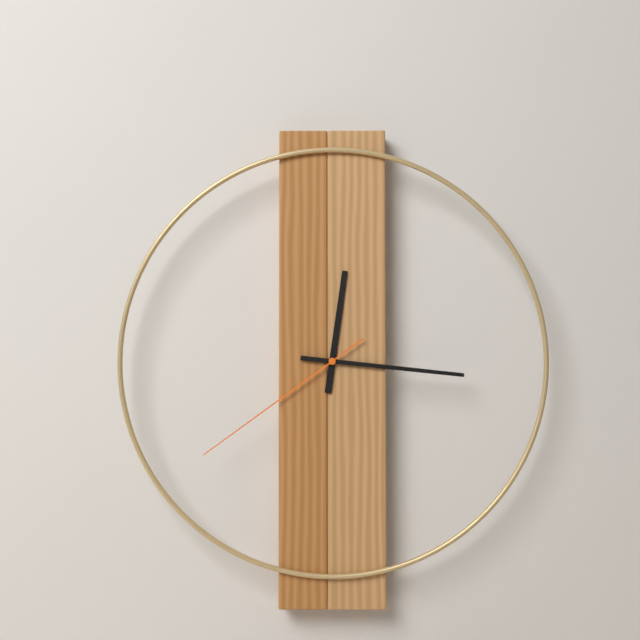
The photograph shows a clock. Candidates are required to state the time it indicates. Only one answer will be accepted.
12:16:39
